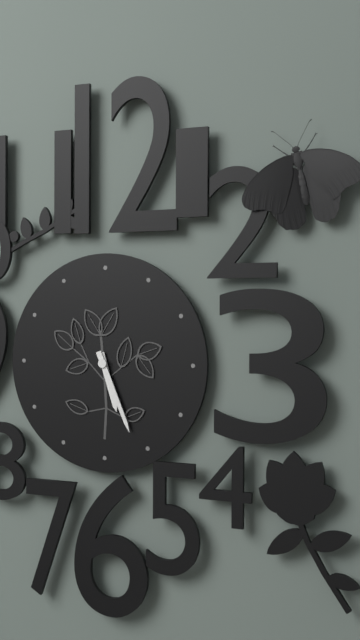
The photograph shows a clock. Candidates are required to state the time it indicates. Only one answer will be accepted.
5:26
